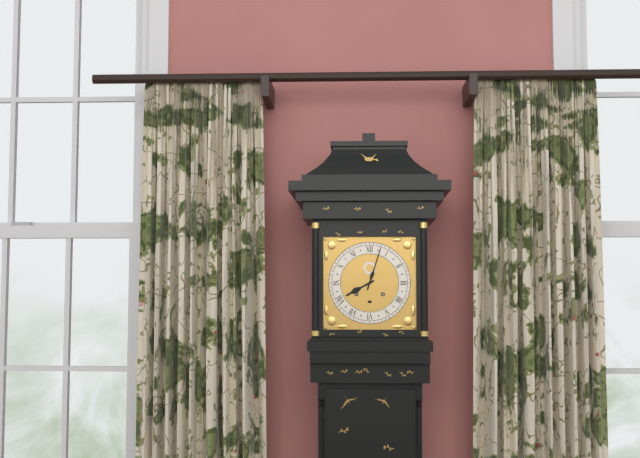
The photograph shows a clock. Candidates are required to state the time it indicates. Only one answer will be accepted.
8:03
